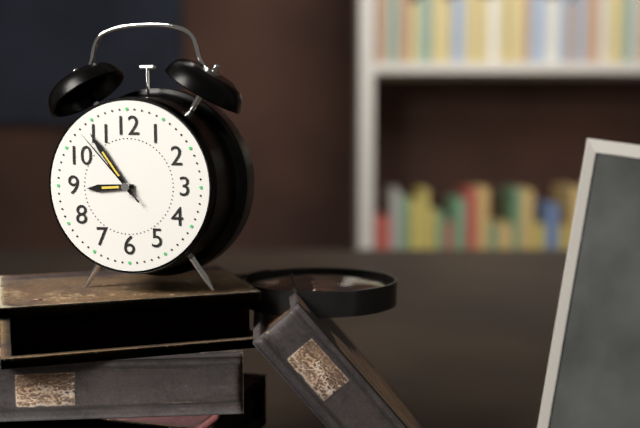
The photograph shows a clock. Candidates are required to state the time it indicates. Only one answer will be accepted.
8:54:53
